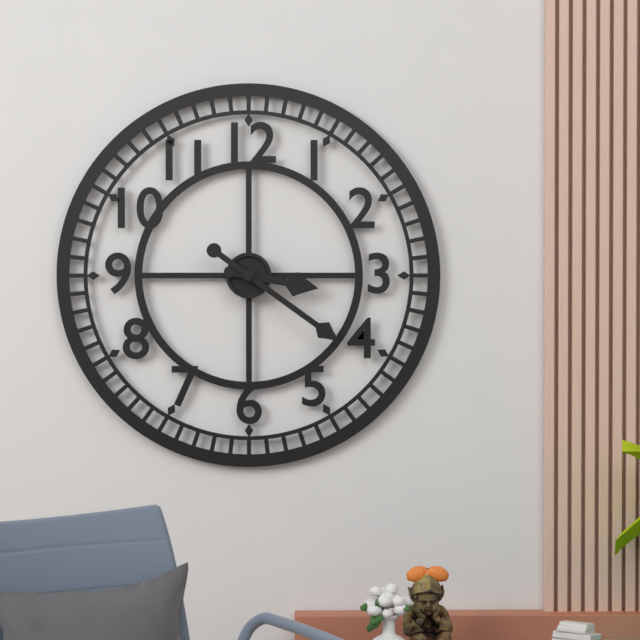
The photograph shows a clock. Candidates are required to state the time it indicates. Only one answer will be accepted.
3:21
